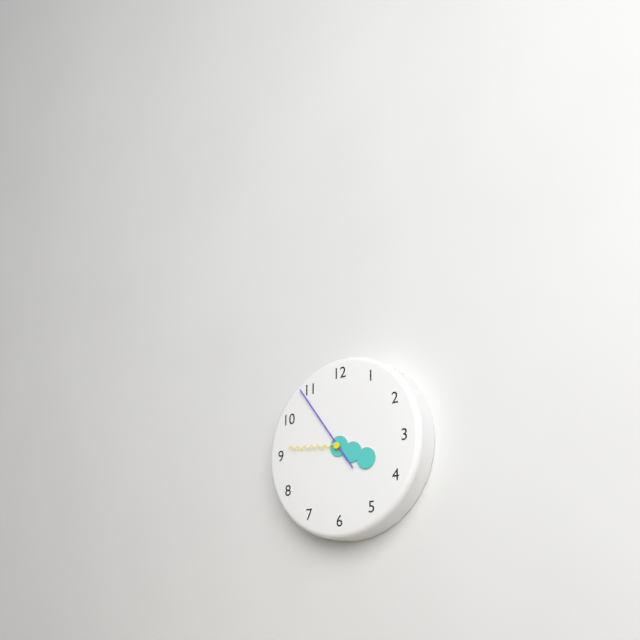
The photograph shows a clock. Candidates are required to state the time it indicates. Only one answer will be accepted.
3:54:46
